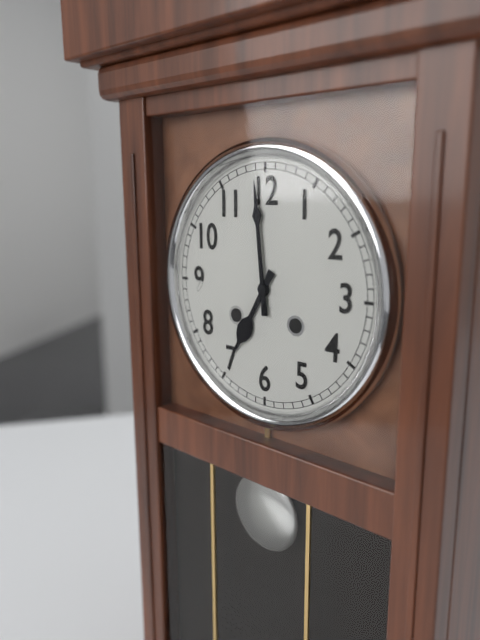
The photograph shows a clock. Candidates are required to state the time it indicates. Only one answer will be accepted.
6:59
